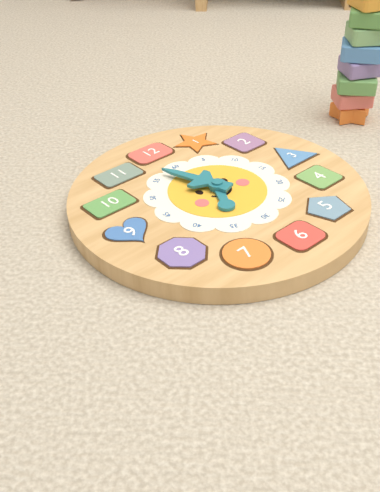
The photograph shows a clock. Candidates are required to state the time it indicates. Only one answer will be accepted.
6:57
